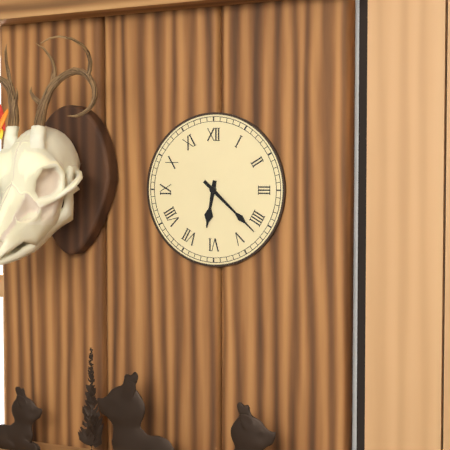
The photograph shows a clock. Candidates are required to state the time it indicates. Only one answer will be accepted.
6:22
